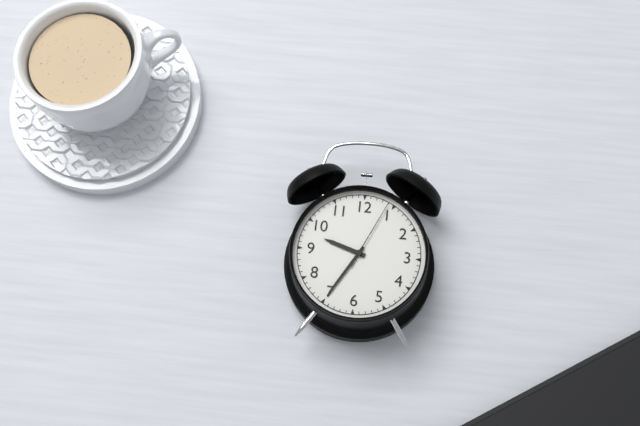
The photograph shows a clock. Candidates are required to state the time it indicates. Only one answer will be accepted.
9:35:04
